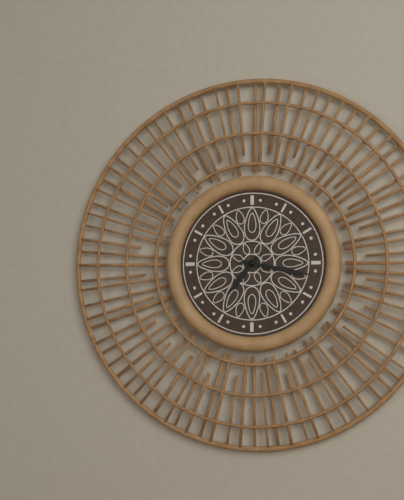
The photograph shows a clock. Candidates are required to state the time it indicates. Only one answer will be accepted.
7:17
